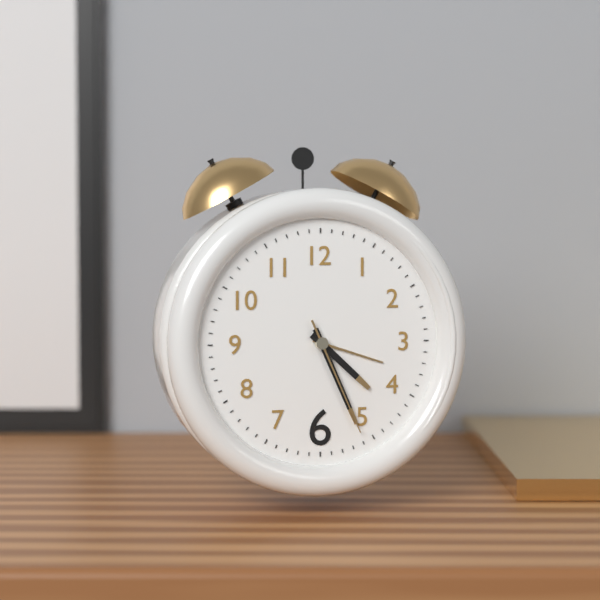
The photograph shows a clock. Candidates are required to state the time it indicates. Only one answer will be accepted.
4:26:26
